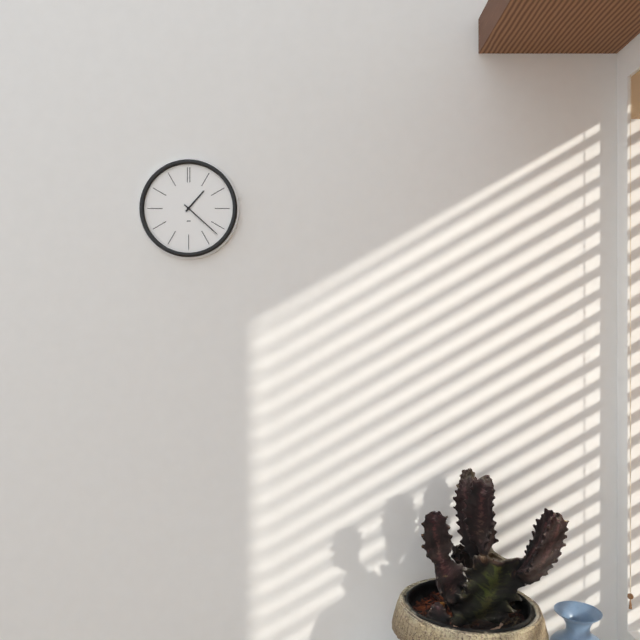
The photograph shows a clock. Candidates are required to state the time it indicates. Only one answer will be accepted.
1:22
